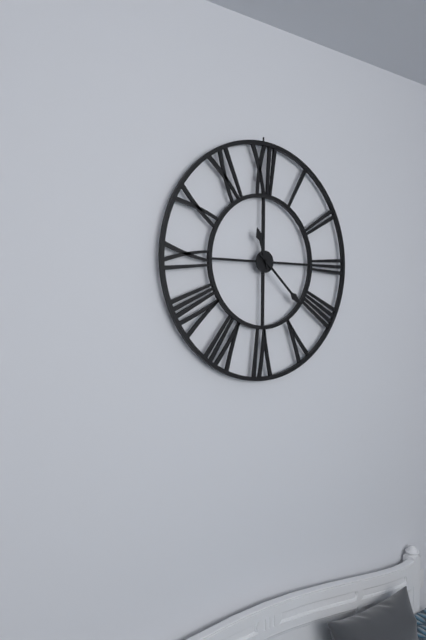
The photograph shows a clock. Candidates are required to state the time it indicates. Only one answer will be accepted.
11:22
